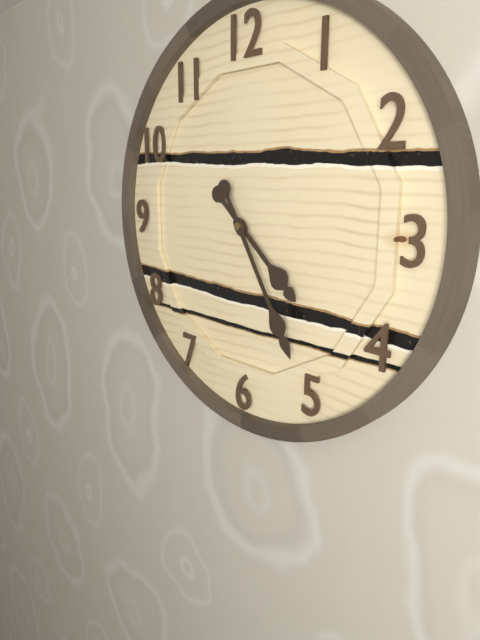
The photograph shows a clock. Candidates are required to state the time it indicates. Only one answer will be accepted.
4:25
